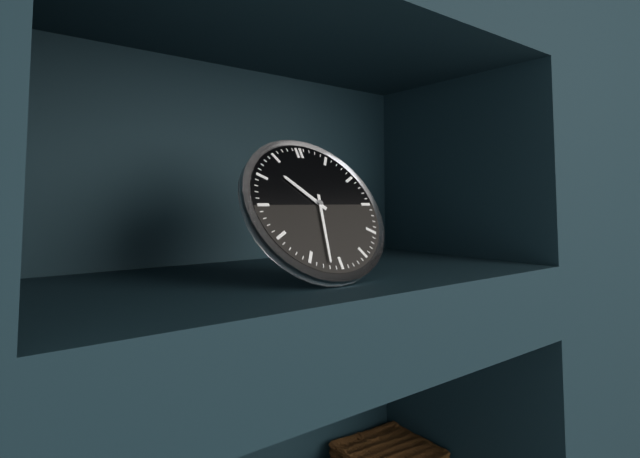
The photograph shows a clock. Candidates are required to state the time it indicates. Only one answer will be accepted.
10:32
